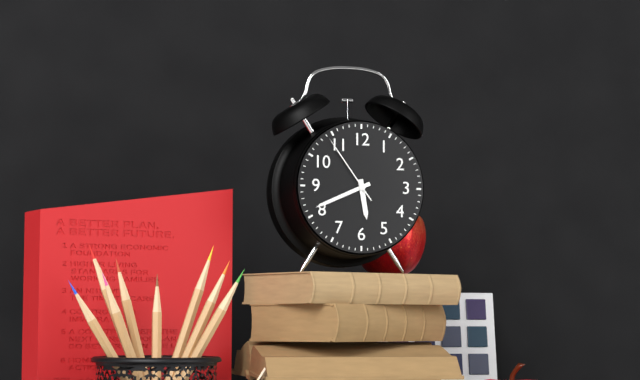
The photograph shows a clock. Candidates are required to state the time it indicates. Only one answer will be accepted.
5:41:54
